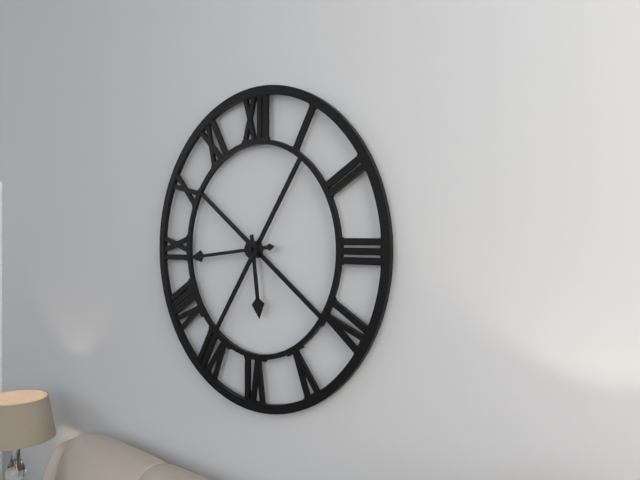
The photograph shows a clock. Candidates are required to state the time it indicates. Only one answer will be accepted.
5:44
